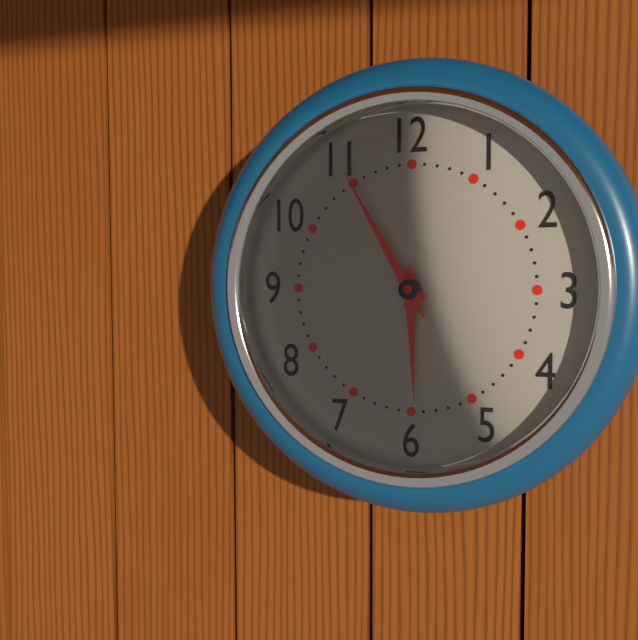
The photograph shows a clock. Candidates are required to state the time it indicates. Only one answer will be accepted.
5:55
